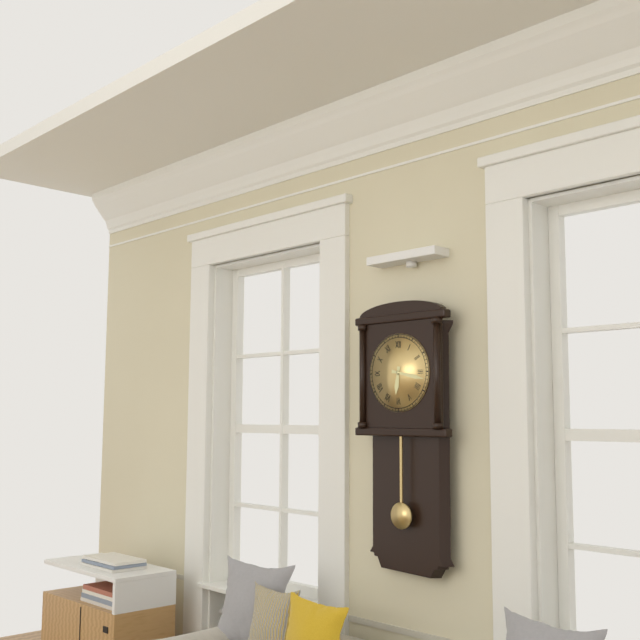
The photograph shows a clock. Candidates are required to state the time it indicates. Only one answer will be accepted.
6:17
